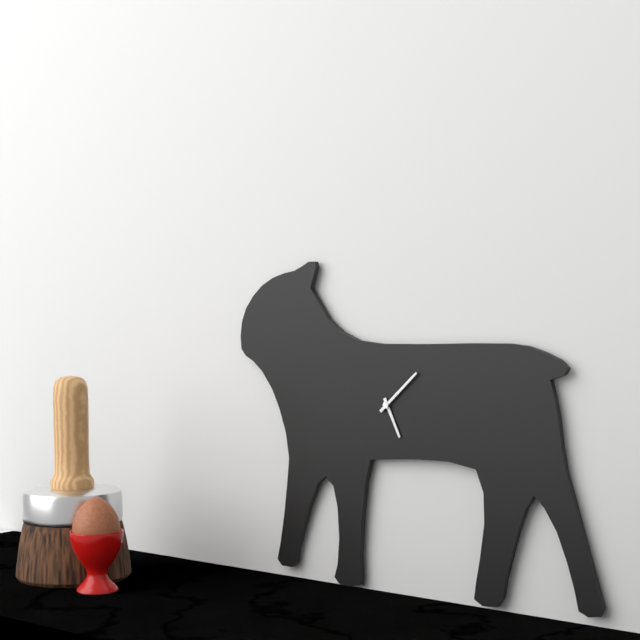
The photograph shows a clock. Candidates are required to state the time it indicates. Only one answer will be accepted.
5:08
